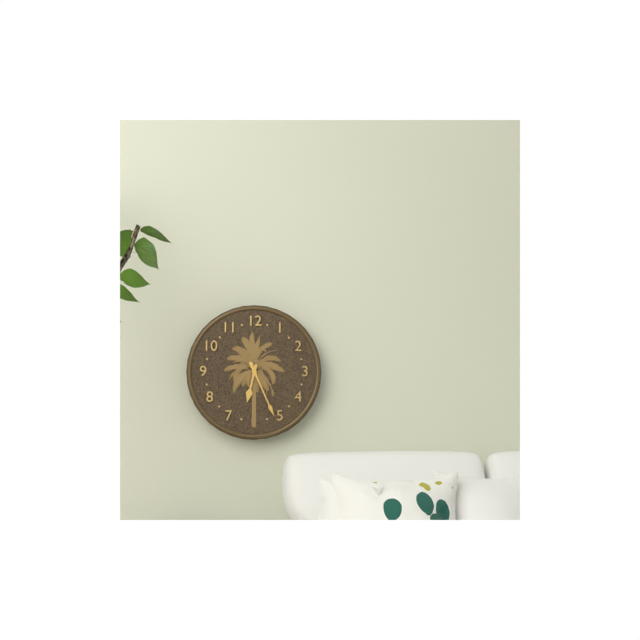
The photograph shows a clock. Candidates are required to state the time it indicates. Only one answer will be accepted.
6:26
